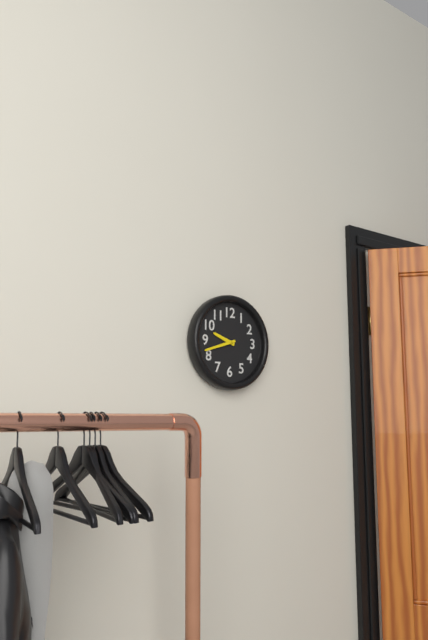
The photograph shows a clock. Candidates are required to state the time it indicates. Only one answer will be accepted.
9:42
